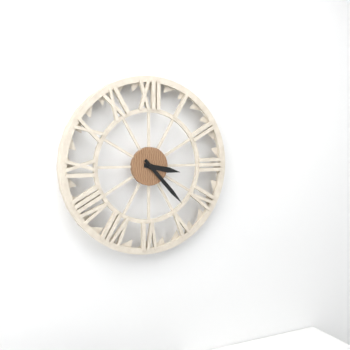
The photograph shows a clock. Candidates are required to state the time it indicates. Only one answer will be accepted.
3:23
